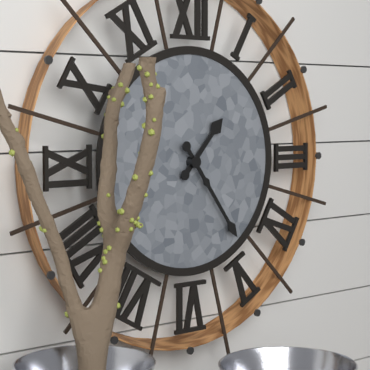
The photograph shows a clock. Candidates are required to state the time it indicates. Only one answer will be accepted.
1:24
